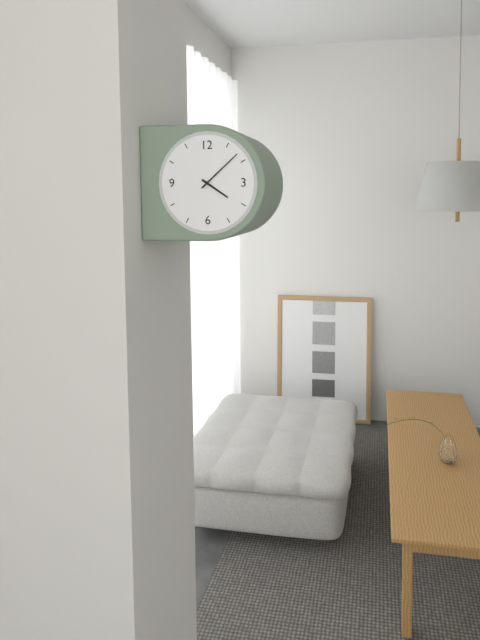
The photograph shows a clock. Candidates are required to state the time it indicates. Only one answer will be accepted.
4:08
